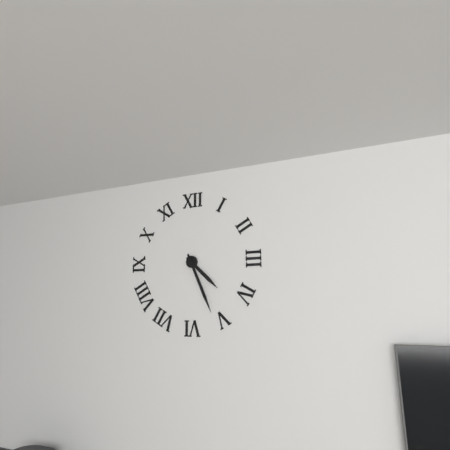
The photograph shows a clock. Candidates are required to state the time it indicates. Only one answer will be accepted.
4:26
